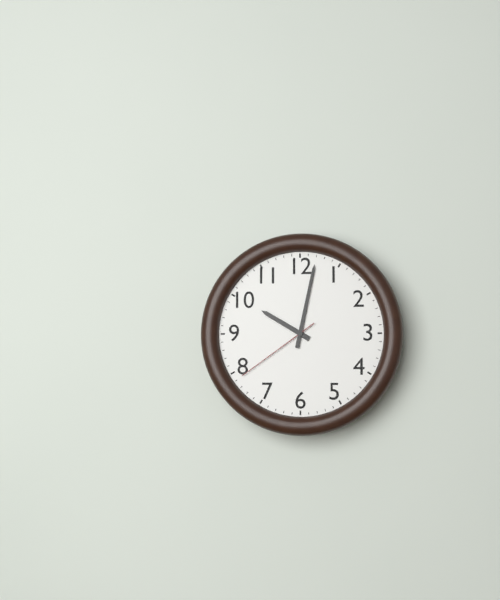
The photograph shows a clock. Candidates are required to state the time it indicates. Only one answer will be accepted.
10:02:39
